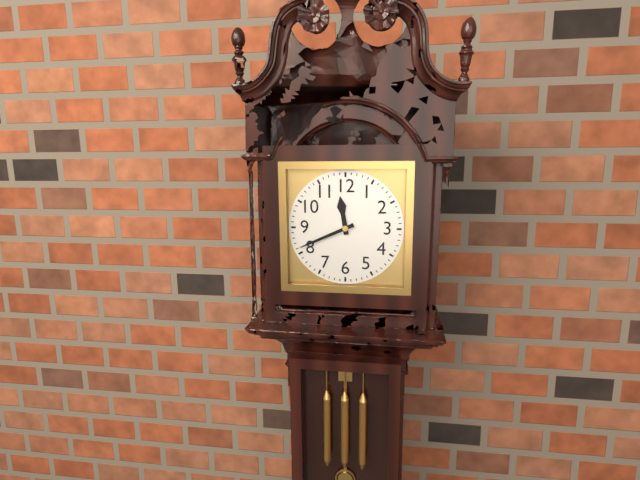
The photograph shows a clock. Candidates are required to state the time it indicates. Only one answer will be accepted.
11:41
